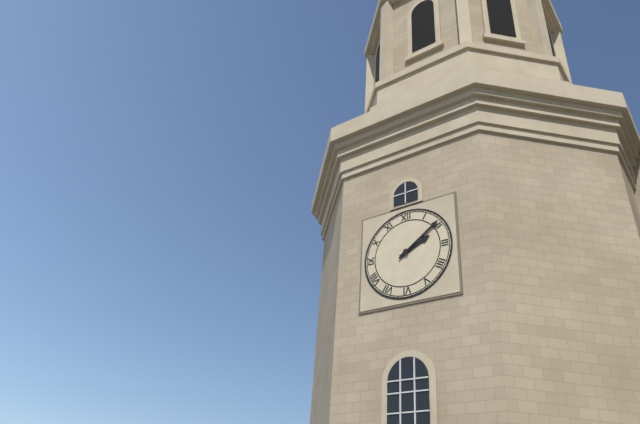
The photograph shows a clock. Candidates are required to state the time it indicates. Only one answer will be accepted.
2:09
